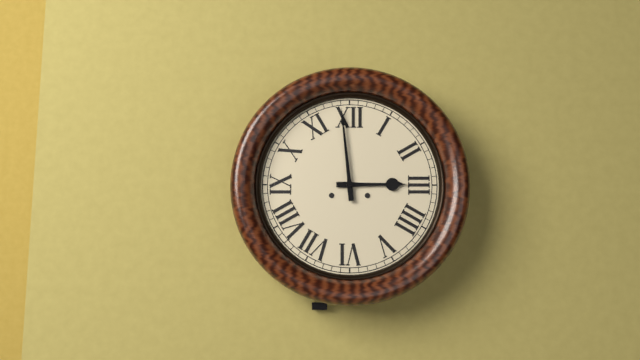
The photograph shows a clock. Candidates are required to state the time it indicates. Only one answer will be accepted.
2:59
